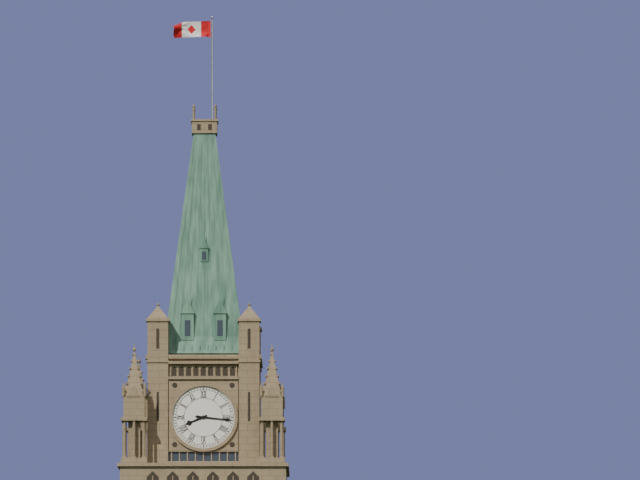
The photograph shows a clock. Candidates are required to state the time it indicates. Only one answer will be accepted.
8:16
